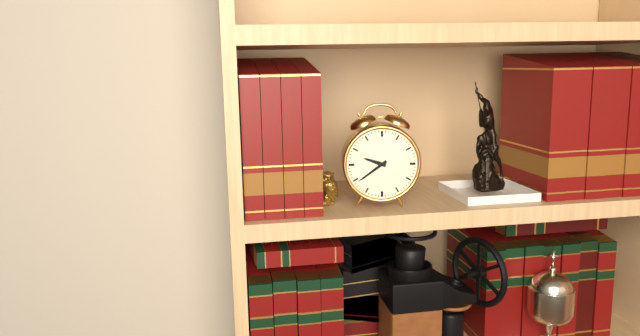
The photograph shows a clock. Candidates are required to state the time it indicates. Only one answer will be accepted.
9:39
